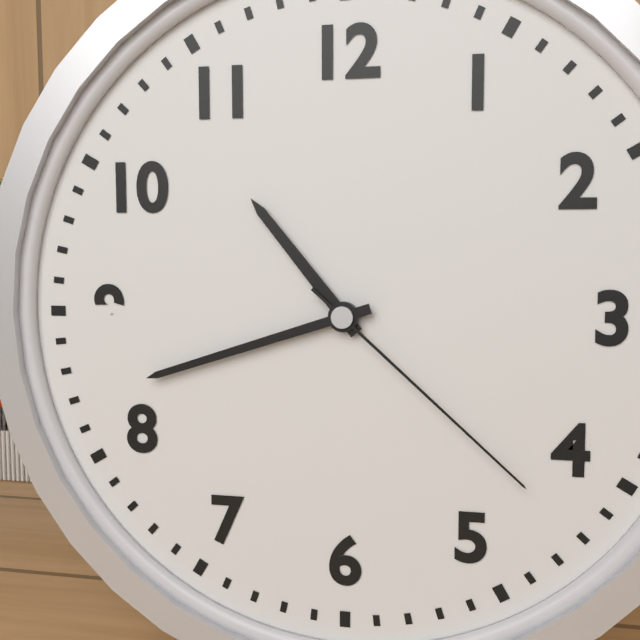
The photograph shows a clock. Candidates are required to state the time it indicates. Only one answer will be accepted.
10:42:22
